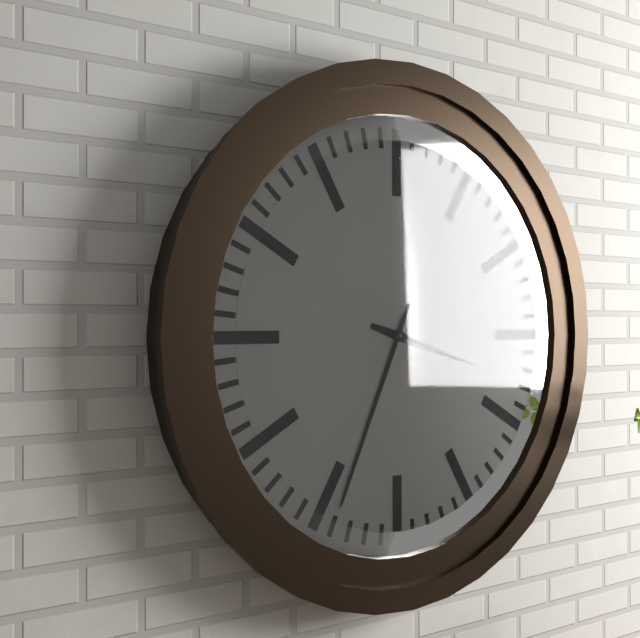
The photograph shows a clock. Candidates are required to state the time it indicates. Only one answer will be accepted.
3:34
